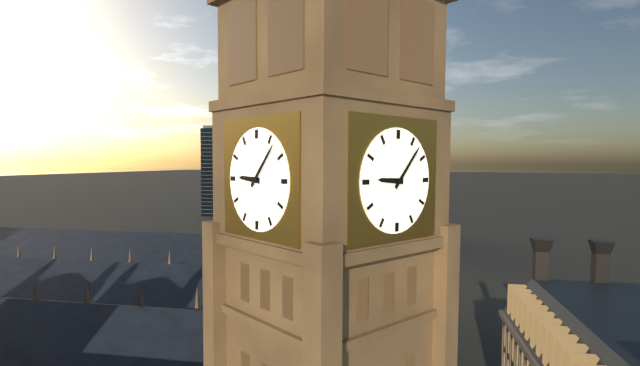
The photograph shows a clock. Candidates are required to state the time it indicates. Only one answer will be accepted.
9:07
